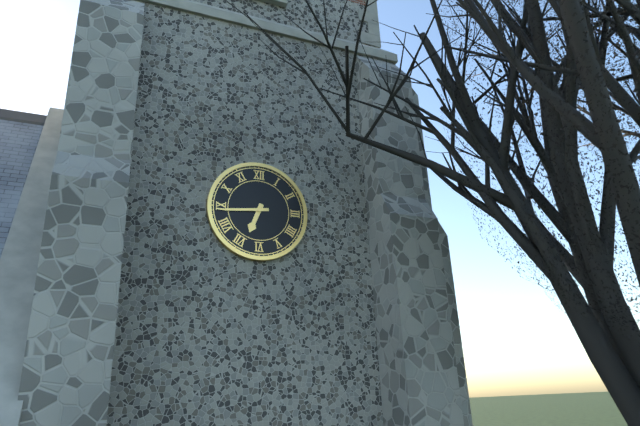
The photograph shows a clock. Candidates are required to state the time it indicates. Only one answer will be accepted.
6:44
